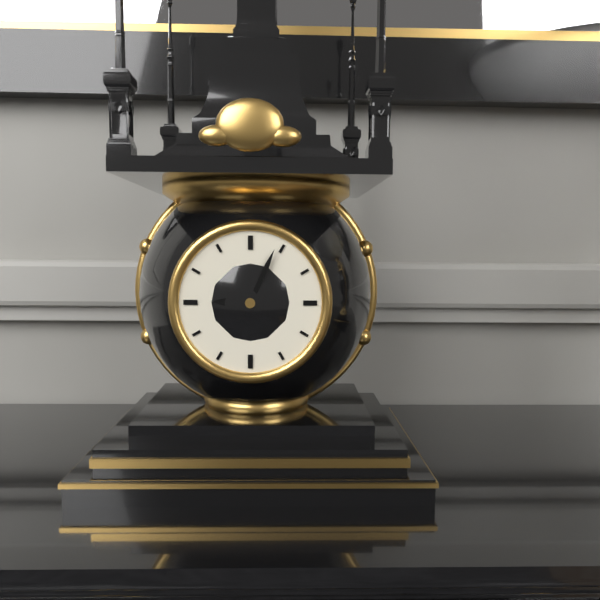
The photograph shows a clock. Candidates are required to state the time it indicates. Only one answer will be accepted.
9:04
